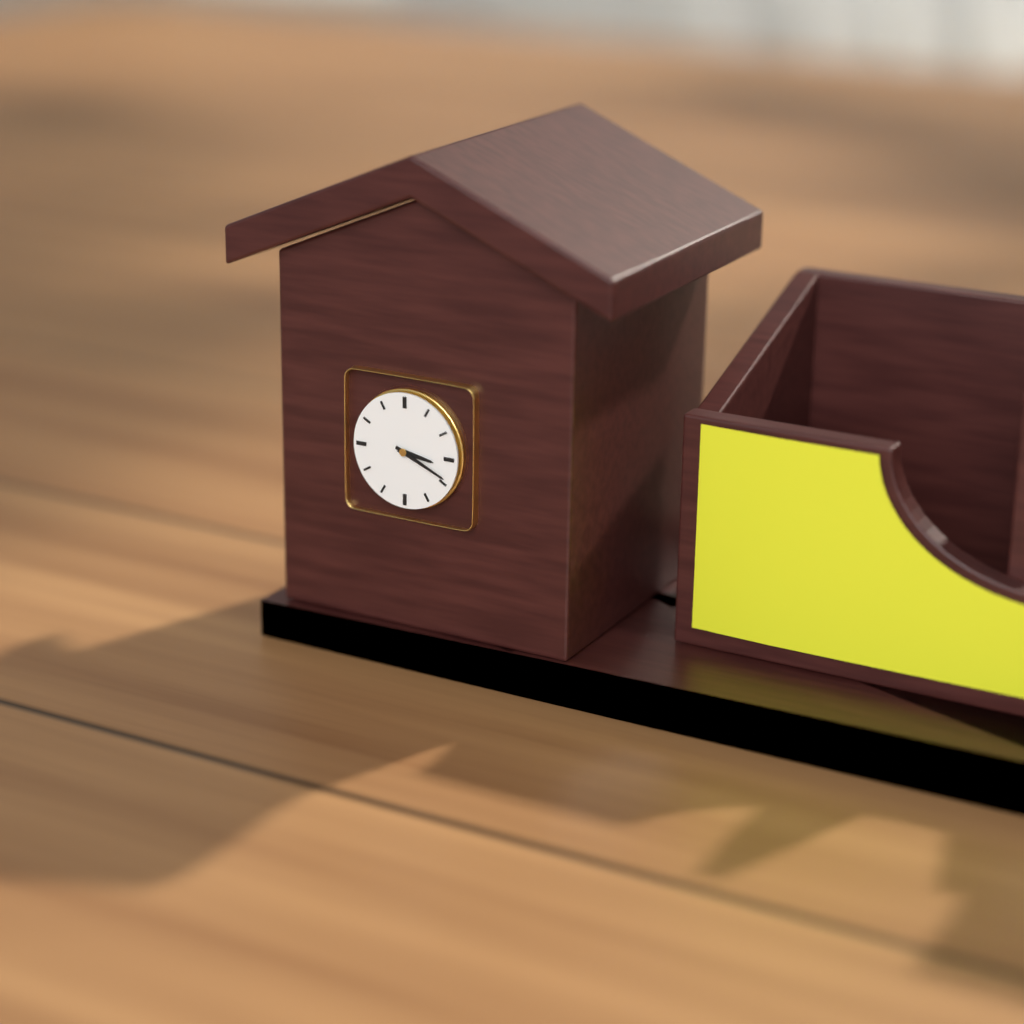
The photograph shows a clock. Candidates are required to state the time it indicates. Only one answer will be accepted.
3:19
